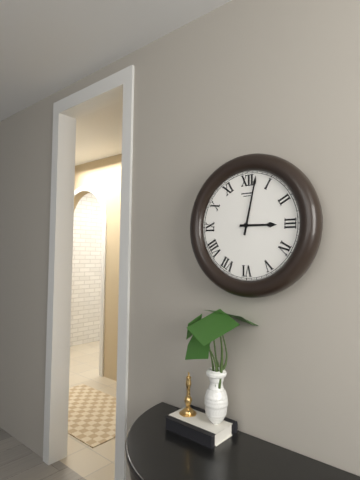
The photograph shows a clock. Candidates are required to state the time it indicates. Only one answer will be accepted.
3:02
